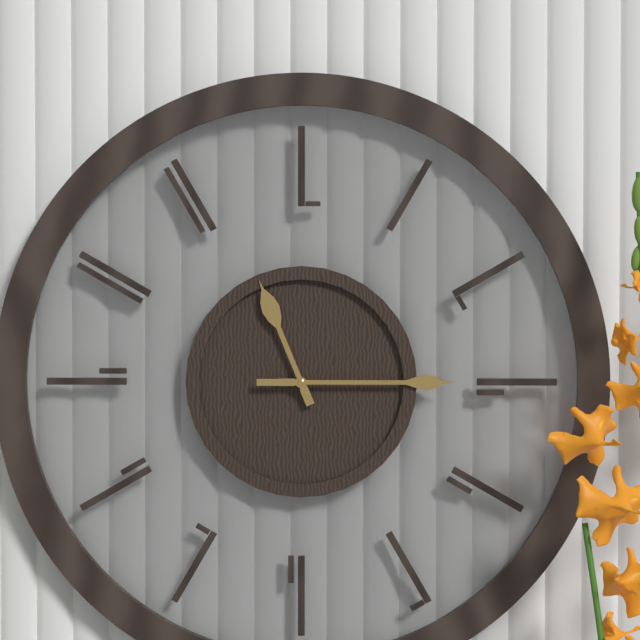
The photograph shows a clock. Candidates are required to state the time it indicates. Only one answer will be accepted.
11:15:15
